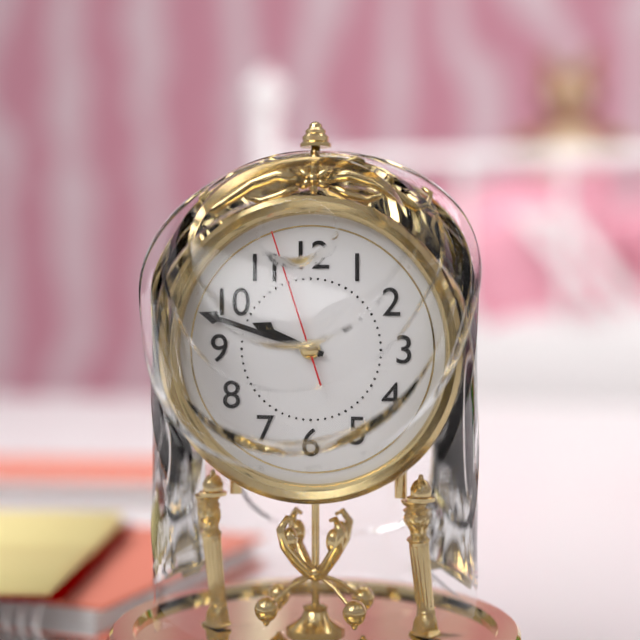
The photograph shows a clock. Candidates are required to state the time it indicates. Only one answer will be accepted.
9:48:57
